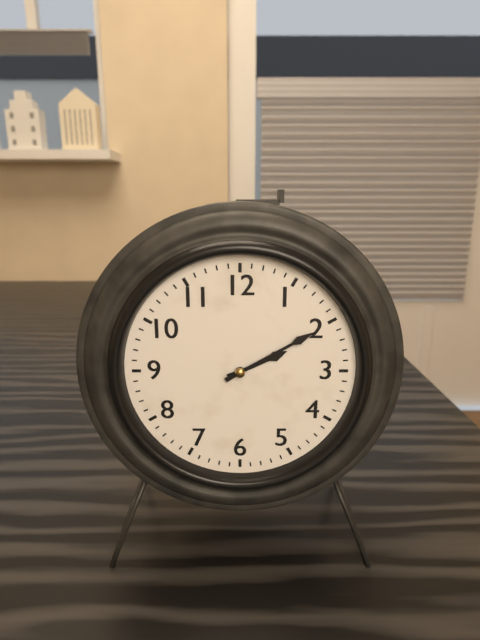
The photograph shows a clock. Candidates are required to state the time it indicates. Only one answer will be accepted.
2:10
